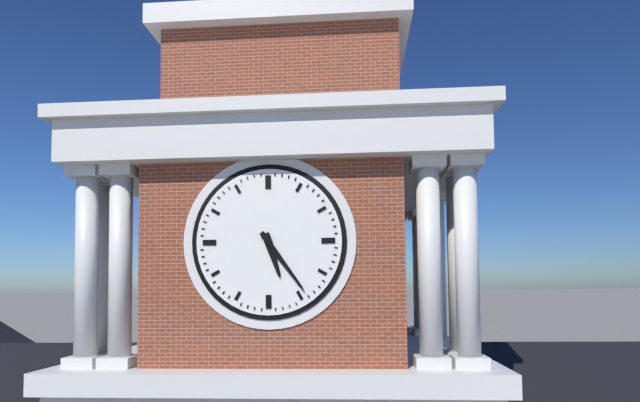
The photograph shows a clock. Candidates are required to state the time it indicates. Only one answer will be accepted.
5:24
